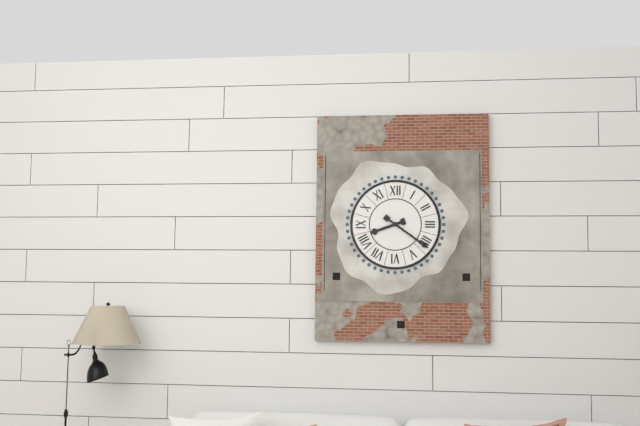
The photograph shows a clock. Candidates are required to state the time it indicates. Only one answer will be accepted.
8:21
